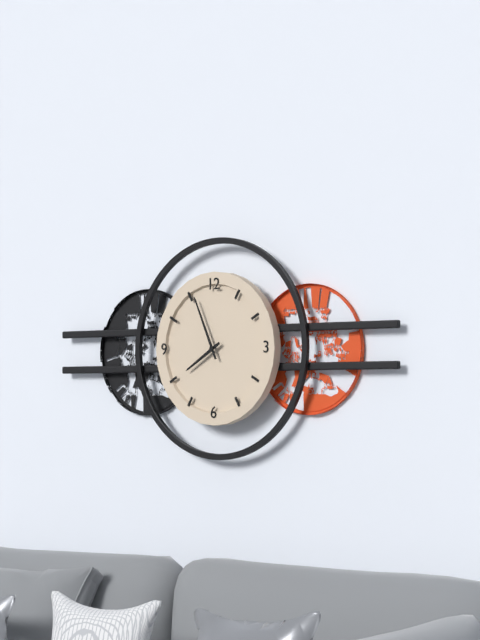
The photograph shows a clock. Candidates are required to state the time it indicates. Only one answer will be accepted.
7:56
